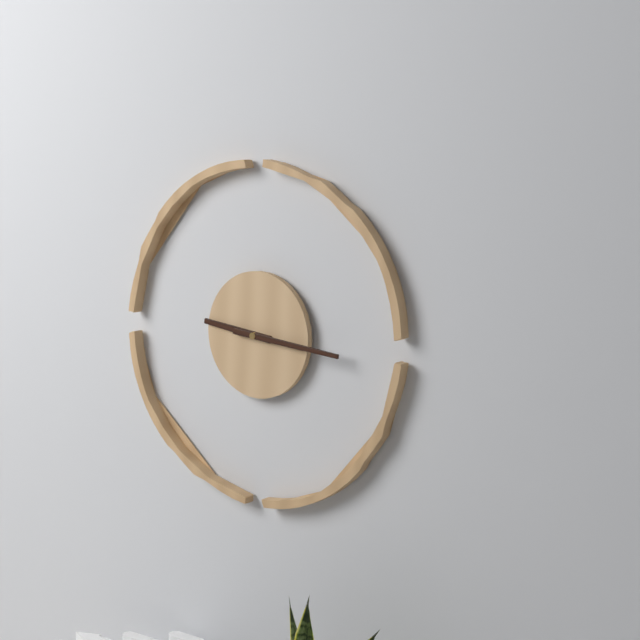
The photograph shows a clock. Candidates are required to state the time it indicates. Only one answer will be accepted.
9:16
